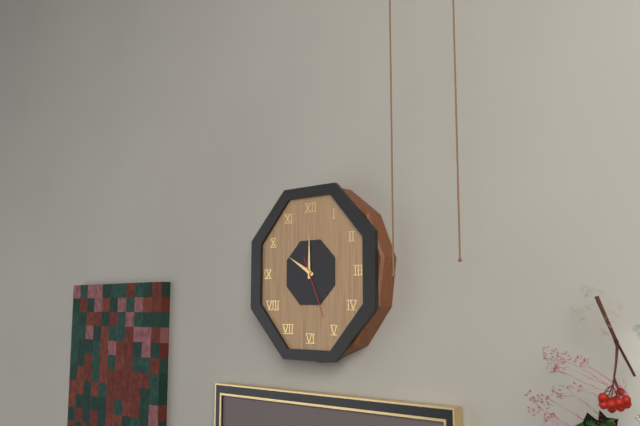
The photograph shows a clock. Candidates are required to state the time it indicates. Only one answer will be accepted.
10:00:26
